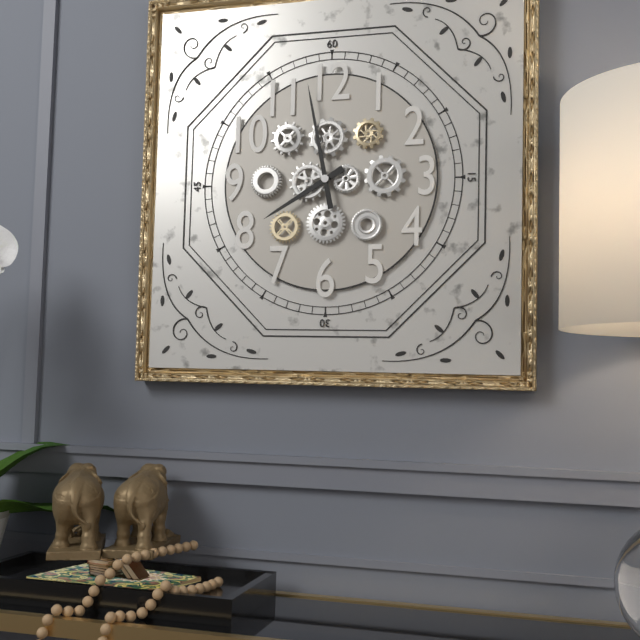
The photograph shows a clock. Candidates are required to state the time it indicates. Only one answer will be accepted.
7:58
